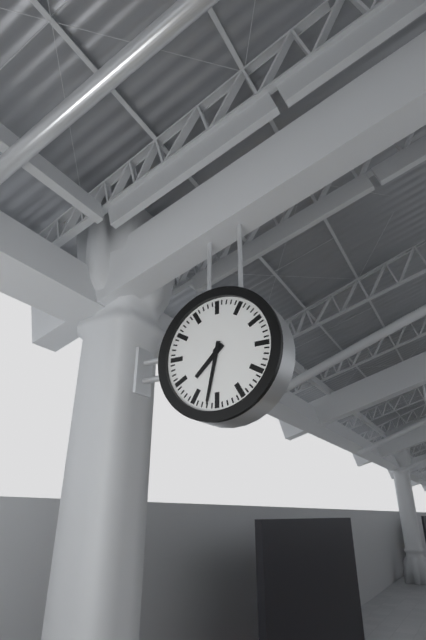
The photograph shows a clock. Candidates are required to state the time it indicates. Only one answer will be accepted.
7:32
